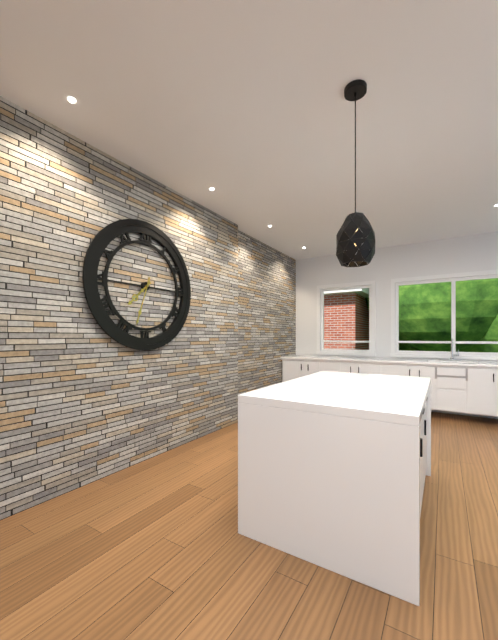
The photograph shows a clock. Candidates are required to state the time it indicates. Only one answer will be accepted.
7:33
